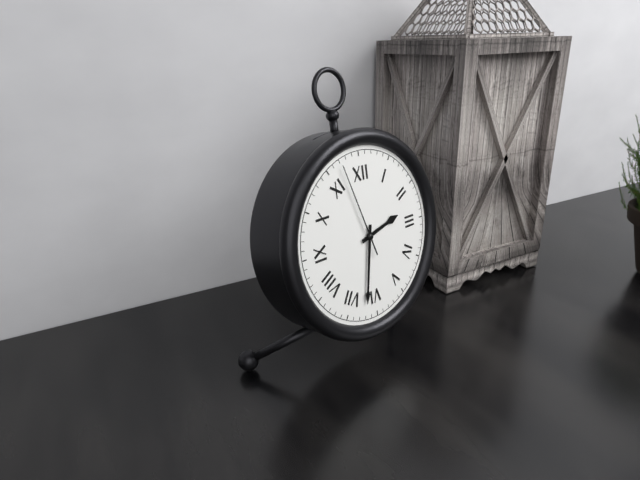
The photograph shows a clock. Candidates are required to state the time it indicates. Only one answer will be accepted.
2:32:57
